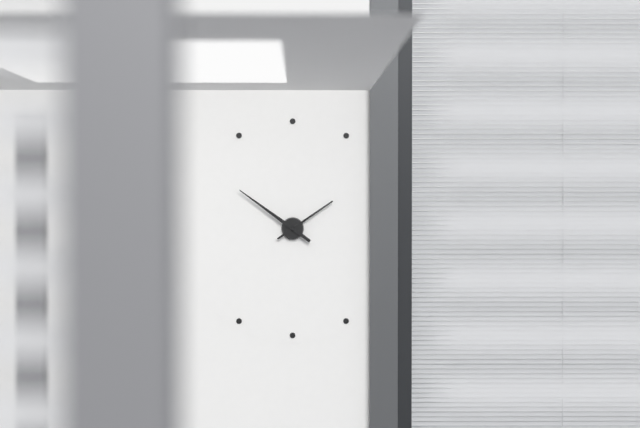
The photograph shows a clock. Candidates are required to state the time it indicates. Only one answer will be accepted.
1:51
